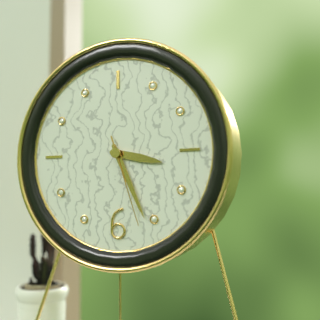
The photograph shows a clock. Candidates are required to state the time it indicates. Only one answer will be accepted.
3:26:27
